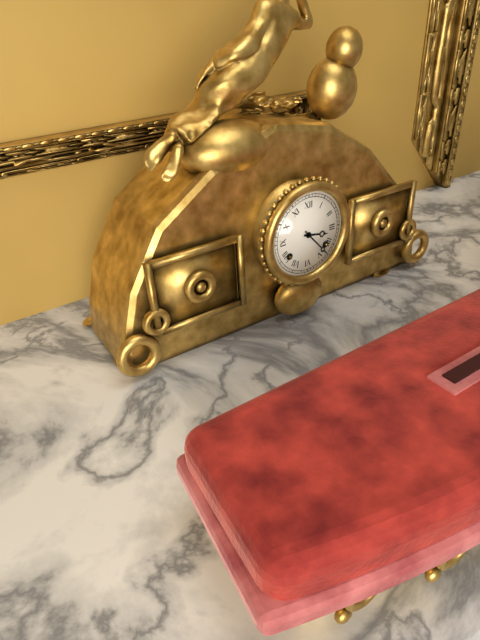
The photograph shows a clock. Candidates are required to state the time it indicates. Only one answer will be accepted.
3:23
